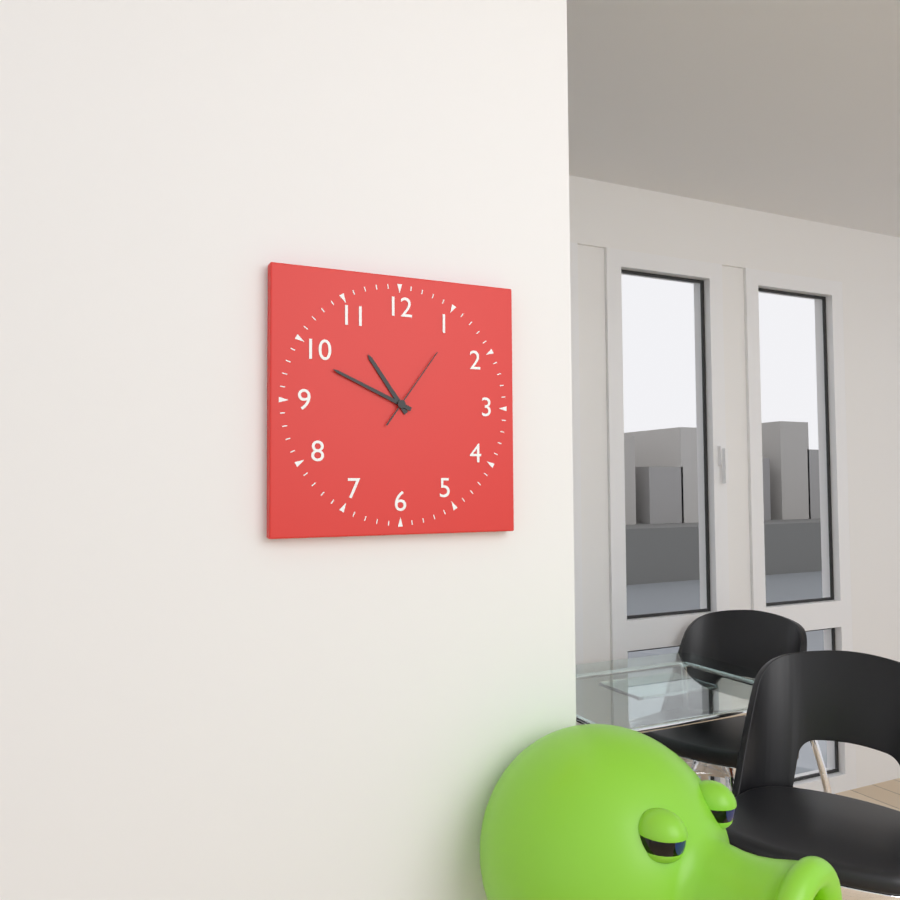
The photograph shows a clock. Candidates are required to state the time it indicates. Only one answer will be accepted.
10:49:06
